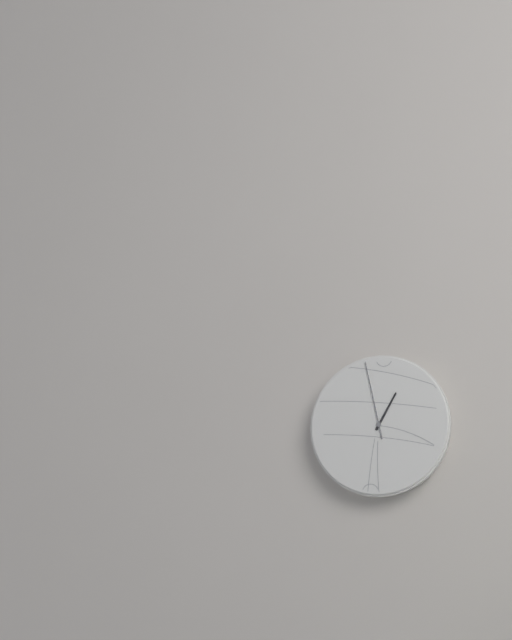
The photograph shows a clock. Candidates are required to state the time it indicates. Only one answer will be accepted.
12:58
